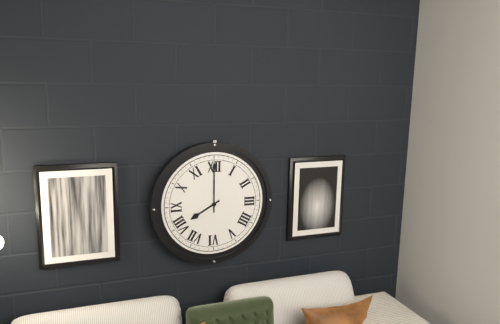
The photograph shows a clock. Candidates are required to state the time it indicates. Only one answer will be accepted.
8:00
